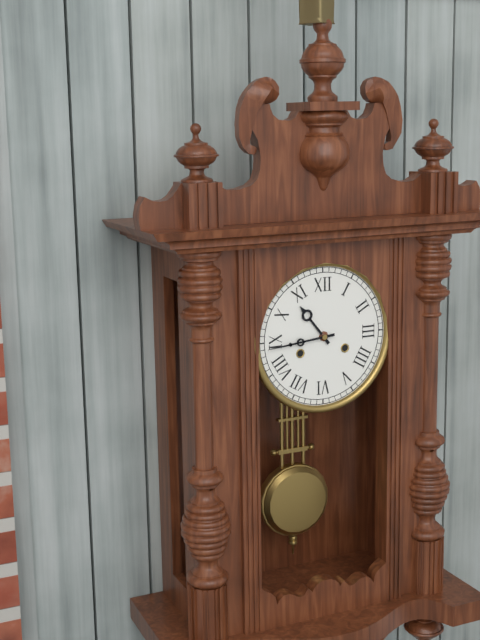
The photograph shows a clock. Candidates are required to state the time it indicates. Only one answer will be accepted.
10:44
